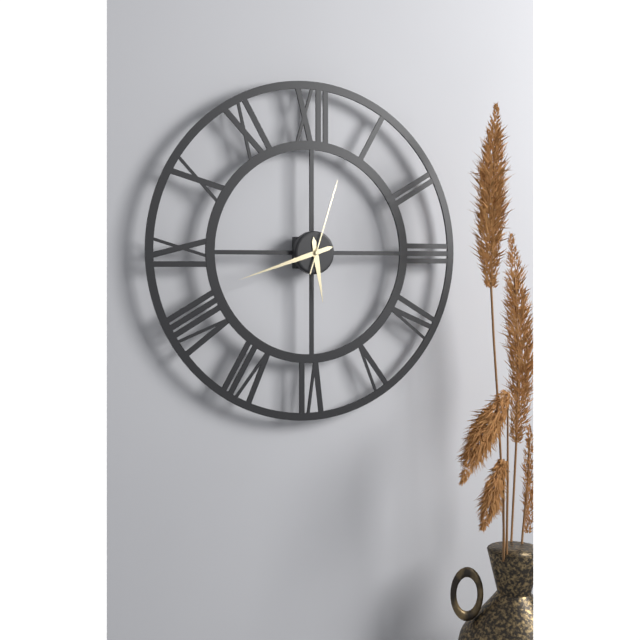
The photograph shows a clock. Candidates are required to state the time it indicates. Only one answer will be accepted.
5:42:03
